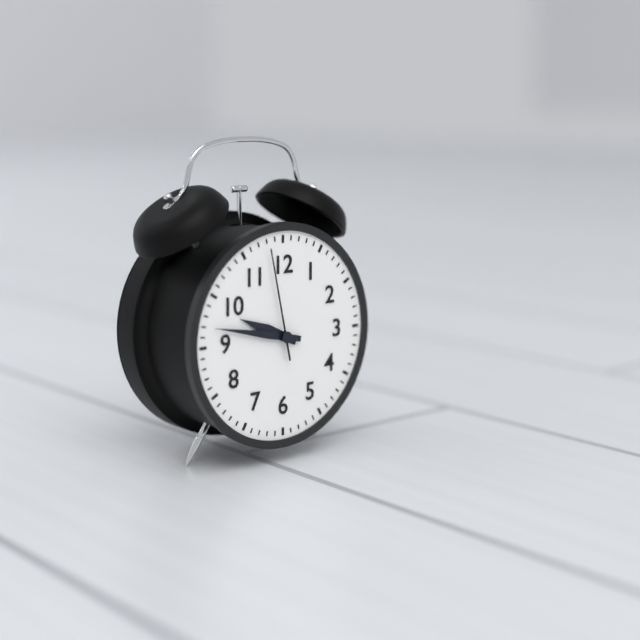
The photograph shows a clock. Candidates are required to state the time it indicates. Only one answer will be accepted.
9:47:58
